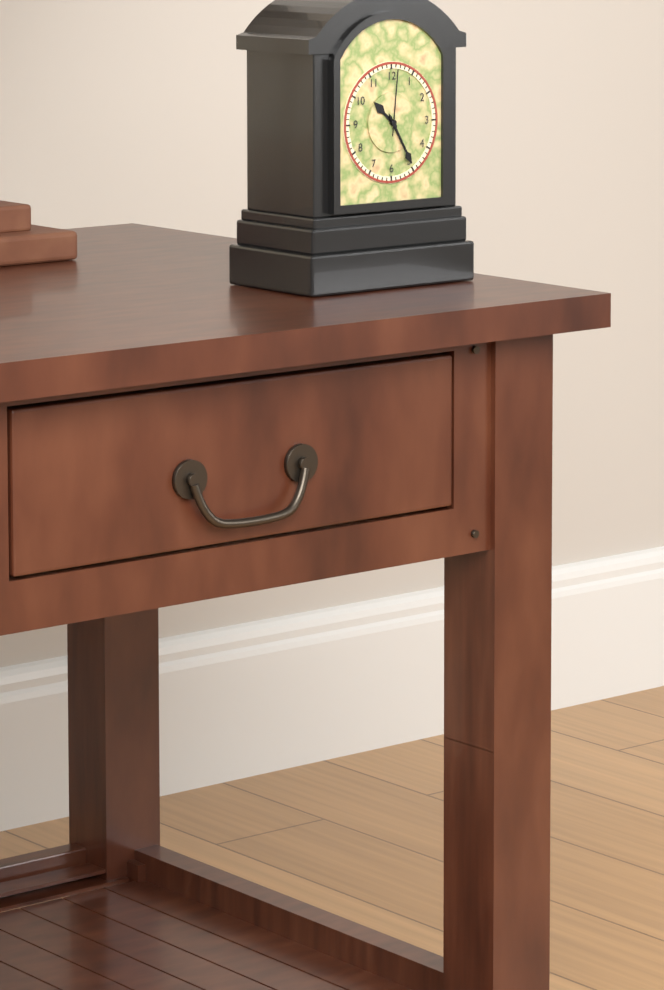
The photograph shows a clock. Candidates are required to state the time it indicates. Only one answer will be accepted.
10:25:01
